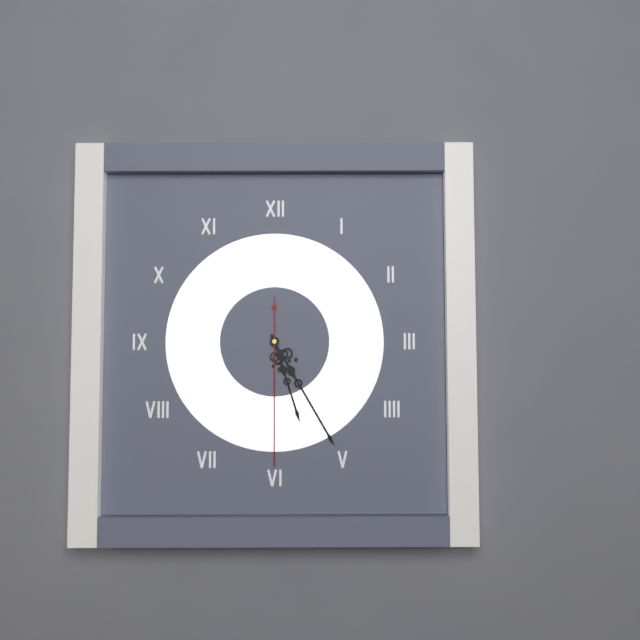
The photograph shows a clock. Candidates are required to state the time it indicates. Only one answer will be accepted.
5:25:30
